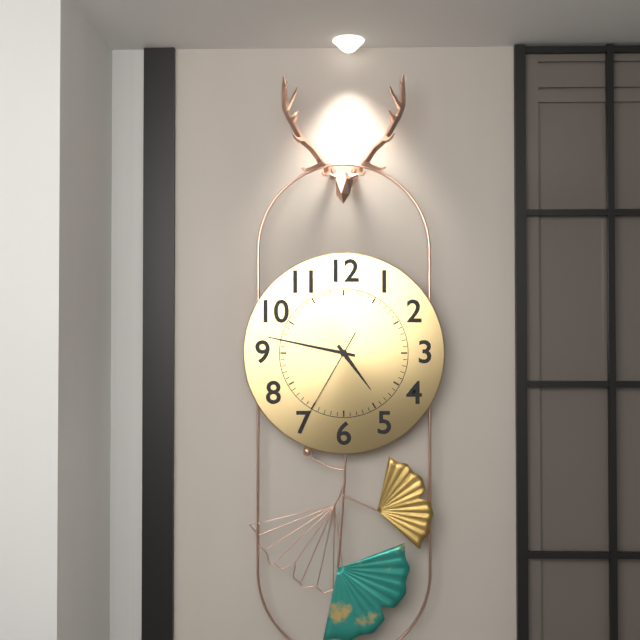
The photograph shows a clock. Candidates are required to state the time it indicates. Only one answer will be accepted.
4:47:35
